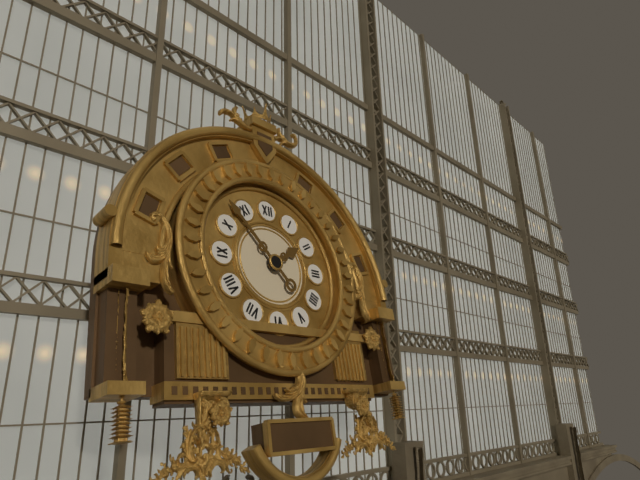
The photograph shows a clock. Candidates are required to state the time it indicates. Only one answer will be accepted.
1:53
